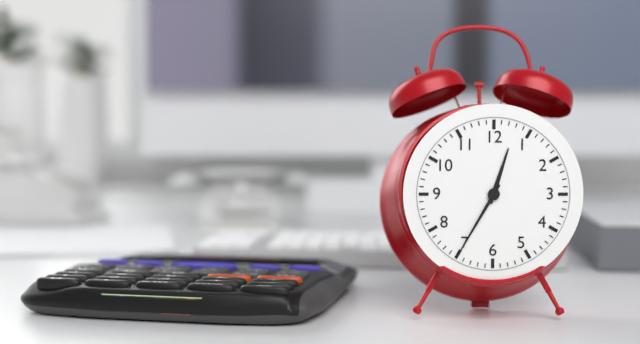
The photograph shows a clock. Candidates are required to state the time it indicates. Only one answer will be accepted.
12:35
